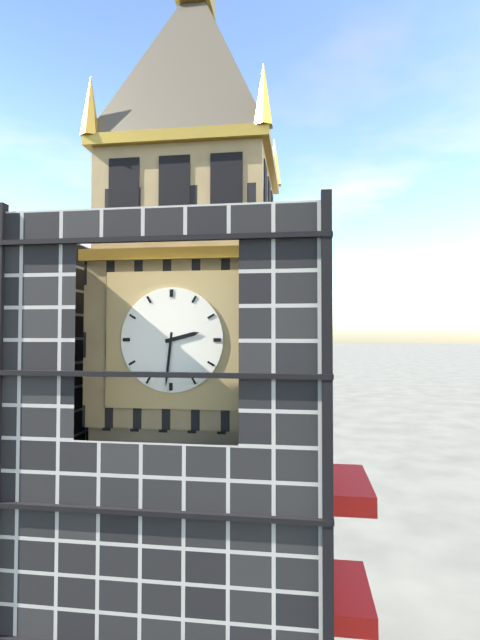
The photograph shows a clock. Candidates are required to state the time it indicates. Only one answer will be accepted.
2:31
